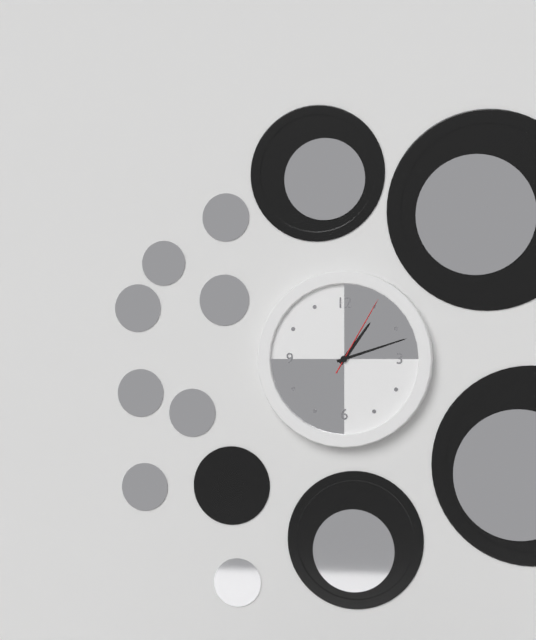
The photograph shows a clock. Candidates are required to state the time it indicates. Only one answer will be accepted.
1:12:05
